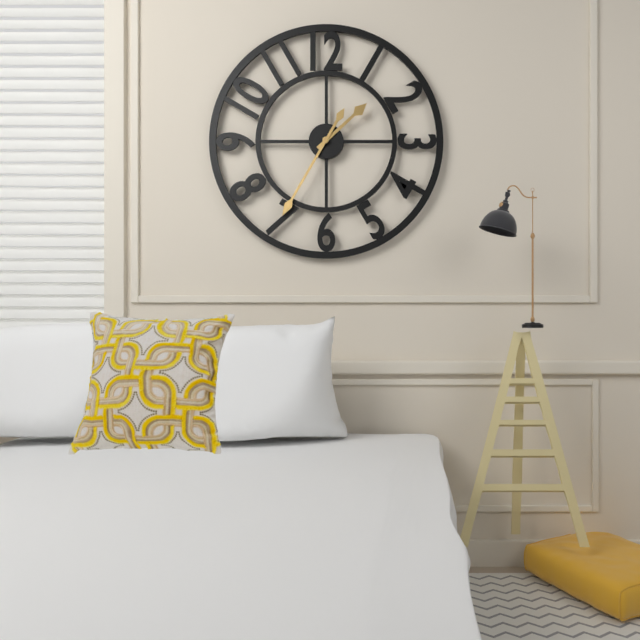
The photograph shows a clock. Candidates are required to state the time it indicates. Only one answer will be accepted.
1:35
